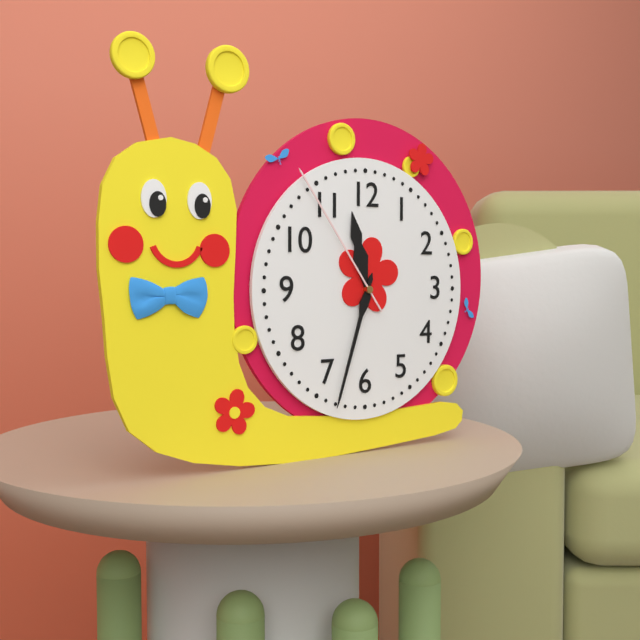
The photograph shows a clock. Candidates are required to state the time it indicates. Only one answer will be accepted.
11:33:54
